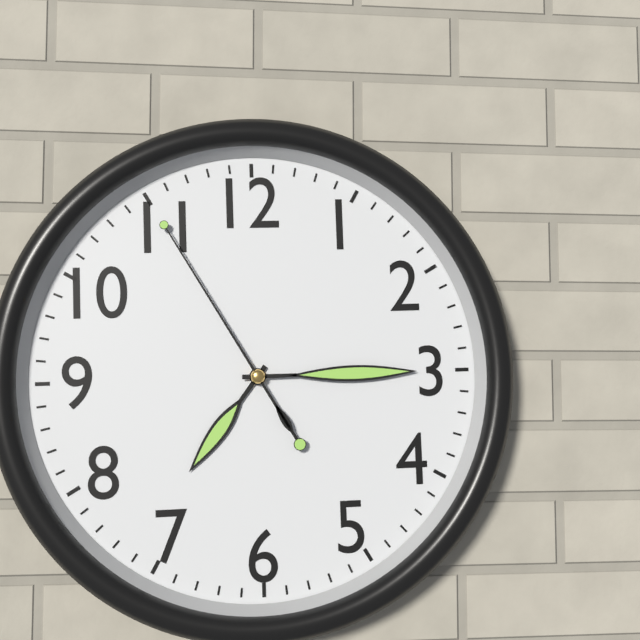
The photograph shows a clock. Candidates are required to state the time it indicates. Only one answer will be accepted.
7:15:55
